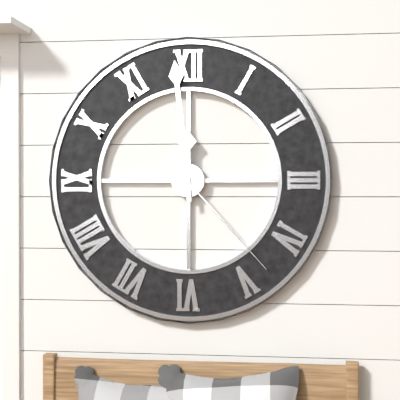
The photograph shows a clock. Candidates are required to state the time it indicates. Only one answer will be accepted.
11:59:23
